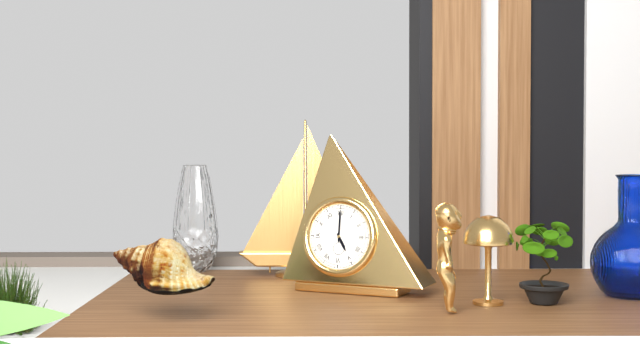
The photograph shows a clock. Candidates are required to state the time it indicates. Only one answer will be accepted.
5:00
